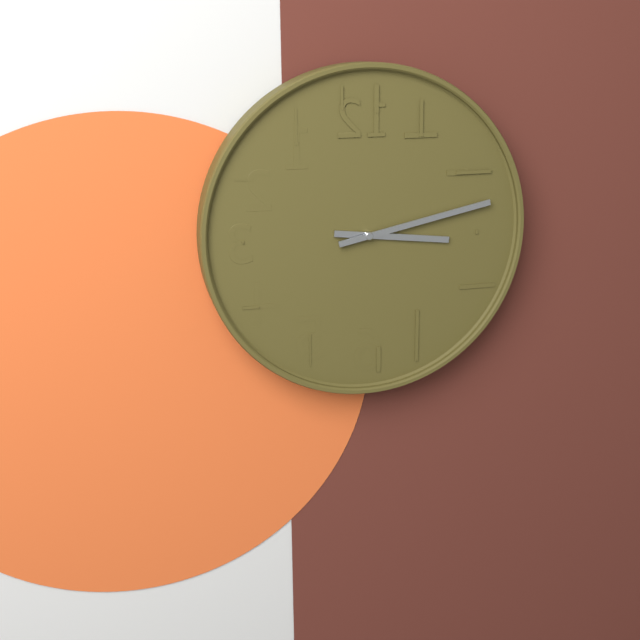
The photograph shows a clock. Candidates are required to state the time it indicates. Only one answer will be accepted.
3:13
